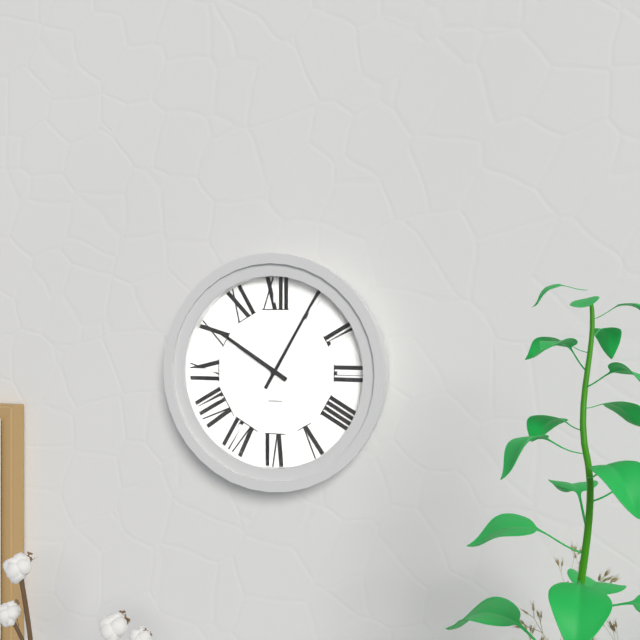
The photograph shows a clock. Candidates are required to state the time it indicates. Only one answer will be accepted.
10:05
